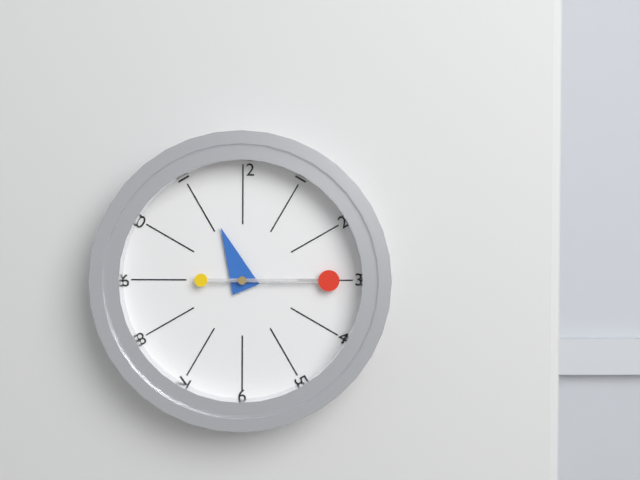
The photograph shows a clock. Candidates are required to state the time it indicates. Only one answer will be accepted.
11:15
